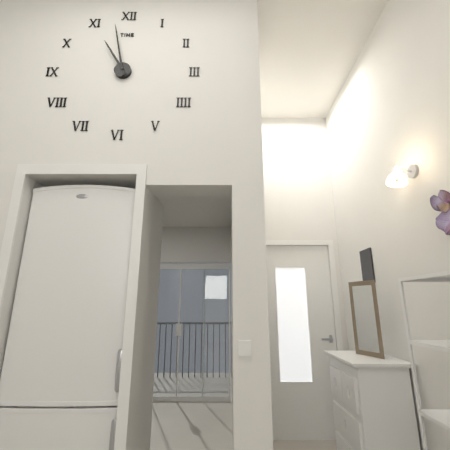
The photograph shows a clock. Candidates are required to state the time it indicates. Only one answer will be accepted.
10:58
